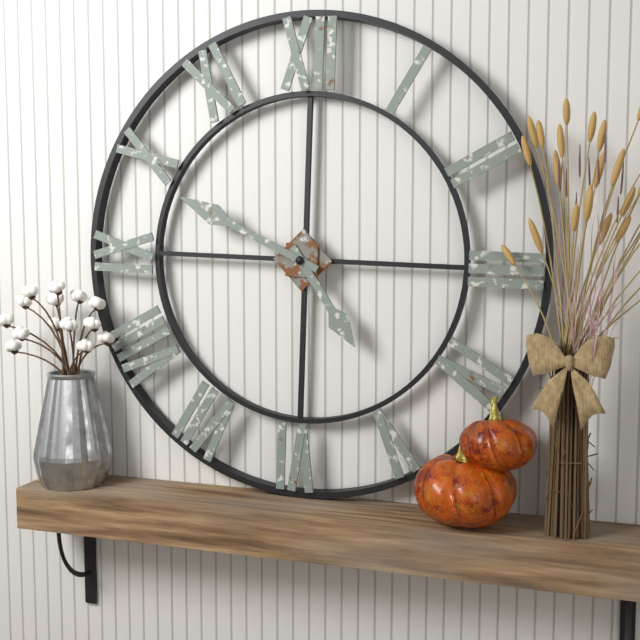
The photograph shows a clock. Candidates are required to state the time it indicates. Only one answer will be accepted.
4:49
